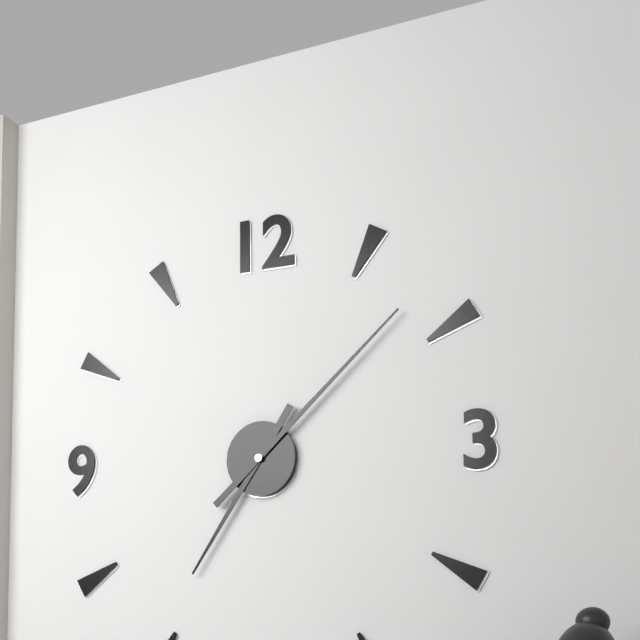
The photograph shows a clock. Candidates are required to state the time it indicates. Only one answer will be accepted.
7:08
